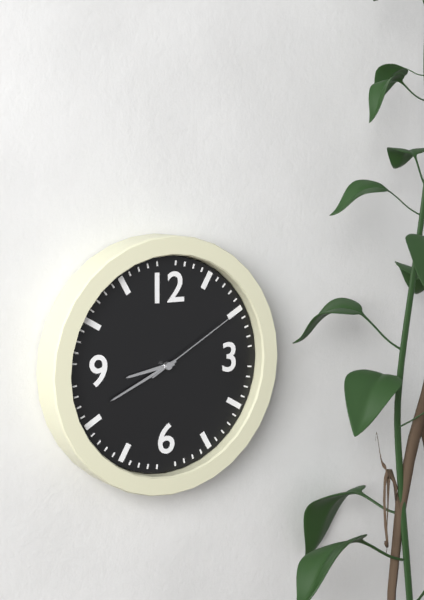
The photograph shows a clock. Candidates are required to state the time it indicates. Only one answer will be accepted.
8:41:10
